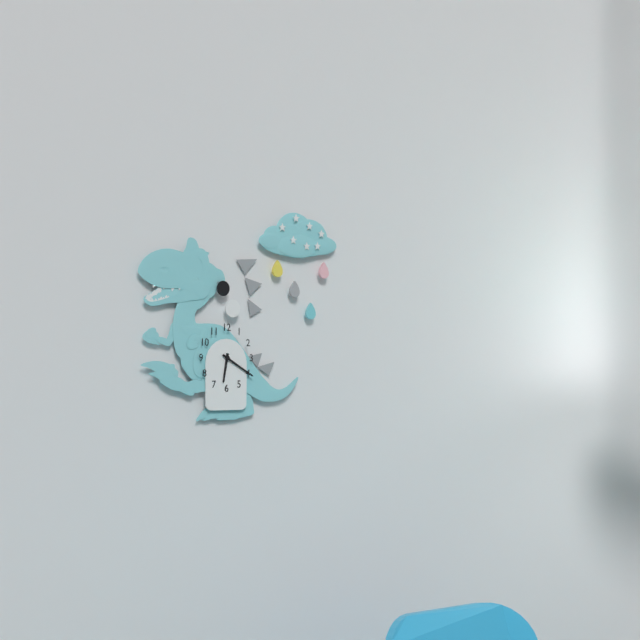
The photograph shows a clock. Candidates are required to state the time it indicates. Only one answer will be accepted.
6:20
